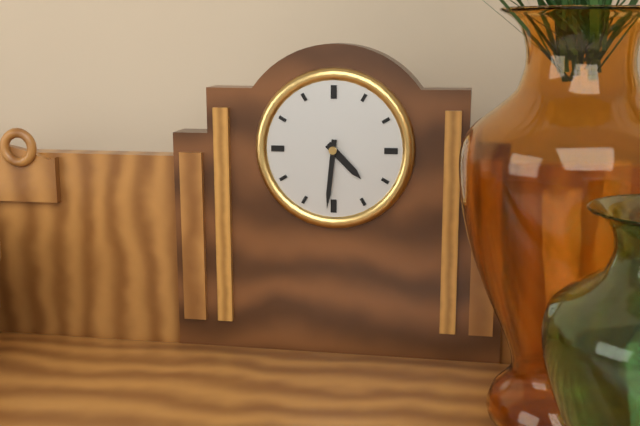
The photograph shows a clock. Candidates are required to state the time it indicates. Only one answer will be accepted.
4:31
